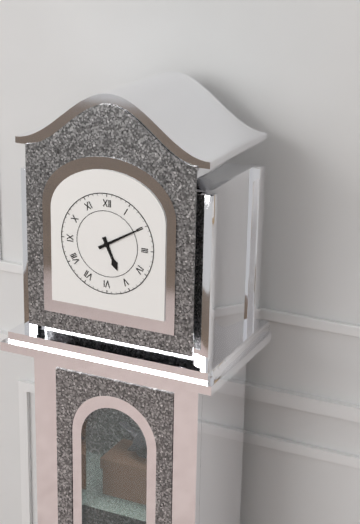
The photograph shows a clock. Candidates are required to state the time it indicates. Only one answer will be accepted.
5:10
